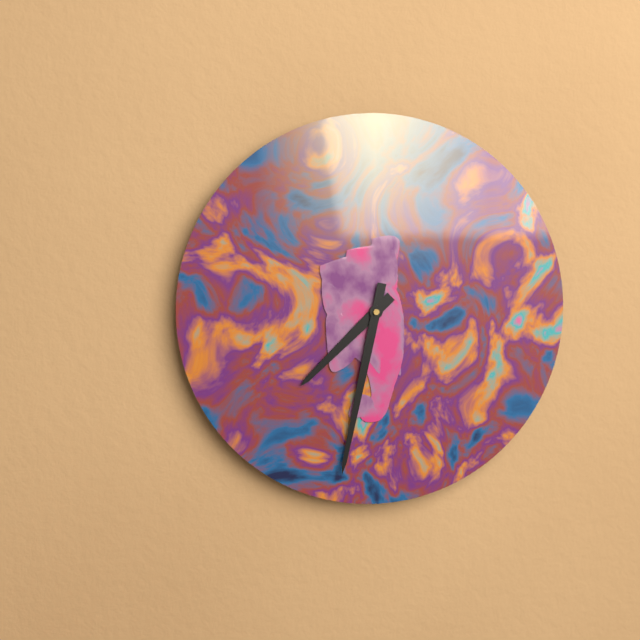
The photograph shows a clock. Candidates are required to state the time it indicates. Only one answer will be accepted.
7:32
